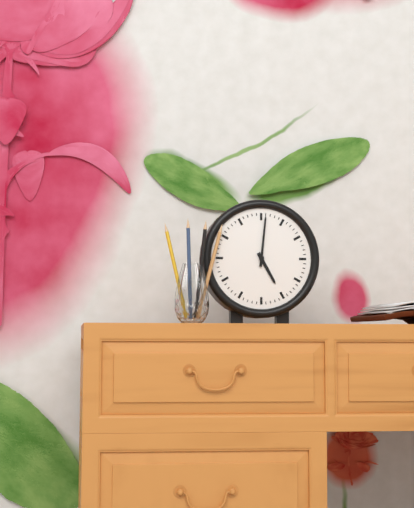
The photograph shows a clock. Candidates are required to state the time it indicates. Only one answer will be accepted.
5:01
